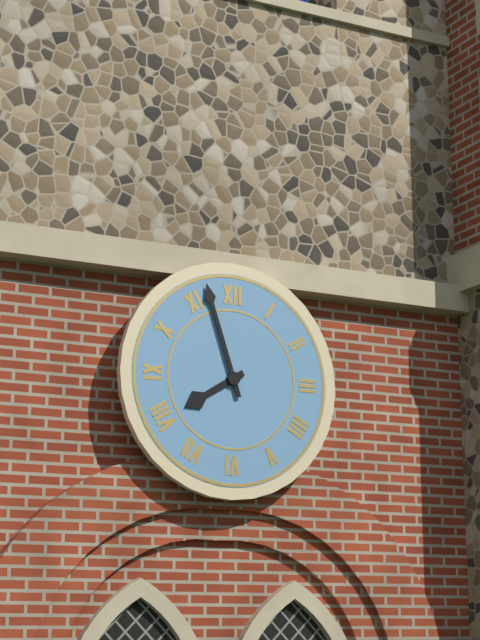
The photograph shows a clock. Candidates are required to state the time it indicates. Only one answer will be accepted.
7:57
